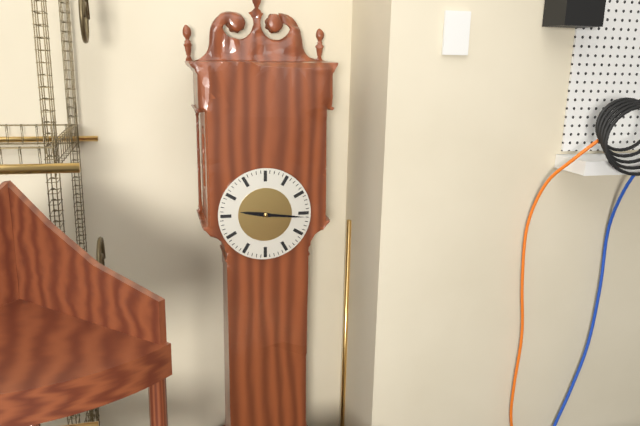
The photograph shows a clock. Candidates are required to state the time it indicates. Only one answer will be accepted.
9:16
